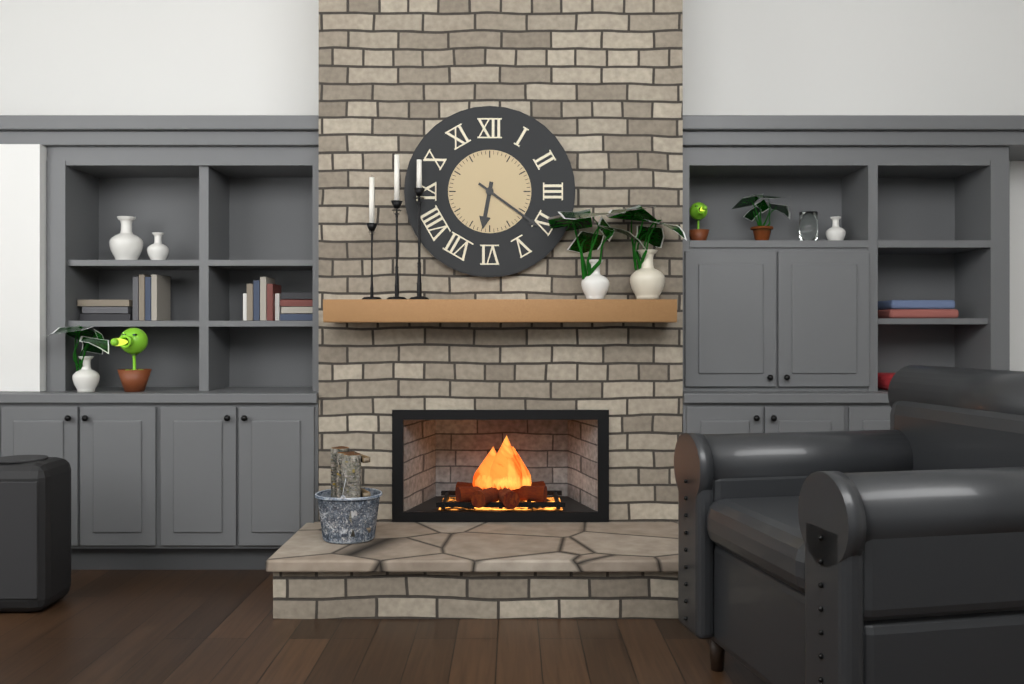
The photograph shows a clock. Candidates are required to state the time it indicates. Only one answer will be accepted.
6:21
